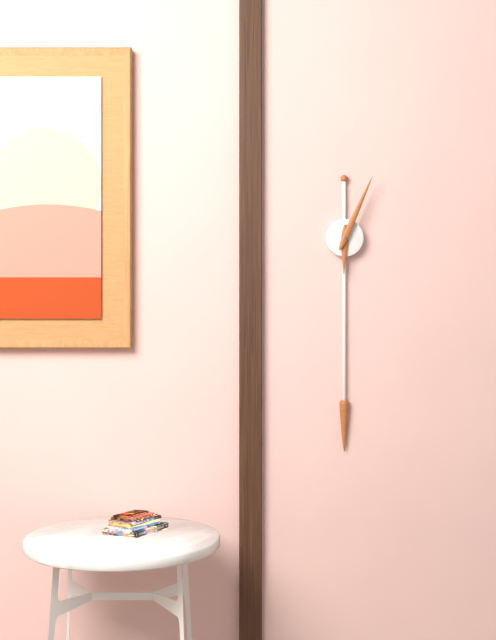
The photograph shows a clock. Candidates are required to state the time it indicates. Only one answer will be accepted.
6:04
